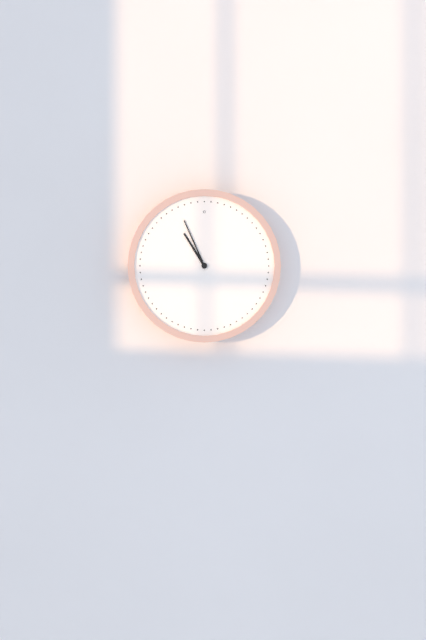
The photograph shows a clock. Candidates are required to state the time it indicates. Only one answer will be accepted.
10:56
